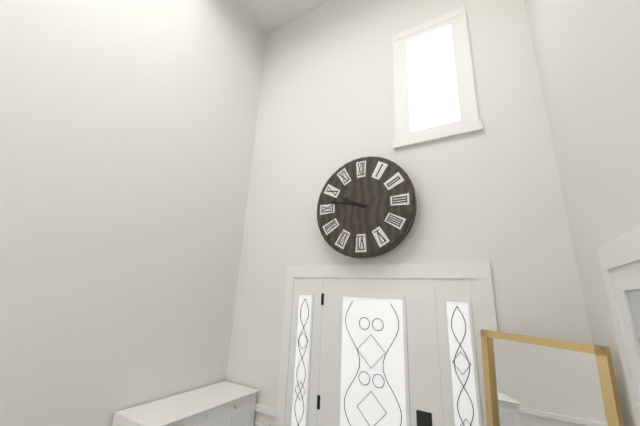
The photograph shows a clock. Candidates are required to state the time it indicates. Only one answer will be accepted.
9:47
